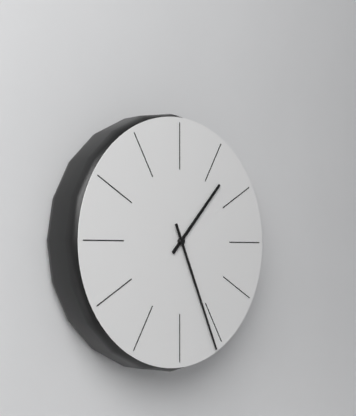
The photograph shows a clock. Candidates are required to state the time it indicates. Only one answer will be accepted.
1:26
